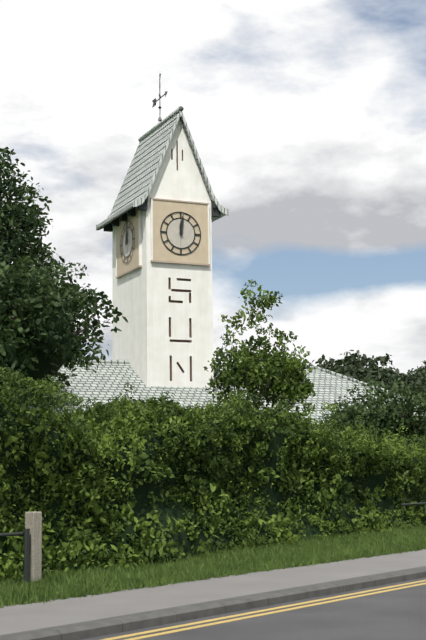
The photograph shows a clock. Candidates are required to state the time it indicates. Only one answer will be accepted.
12:01
